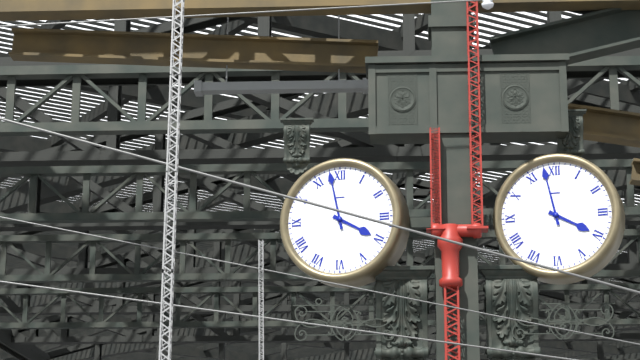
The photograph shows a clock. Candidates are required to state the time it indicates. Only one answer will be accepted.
3:58
